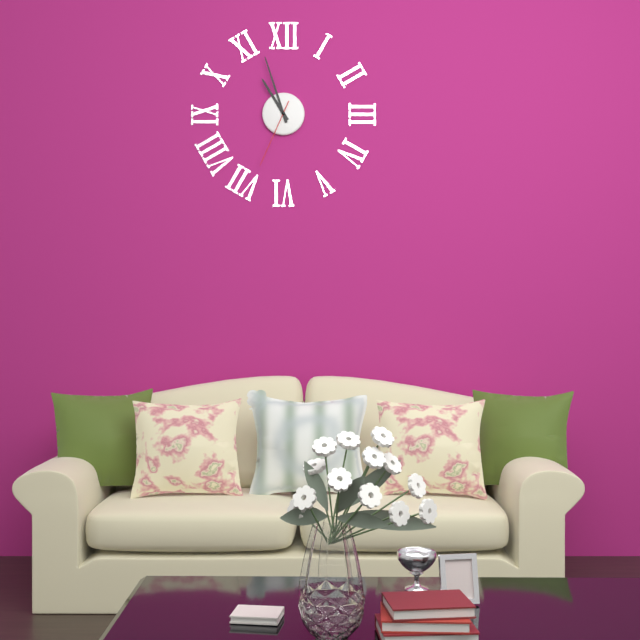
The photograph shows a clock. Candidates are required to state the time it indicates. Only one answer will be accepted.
10:57:34
